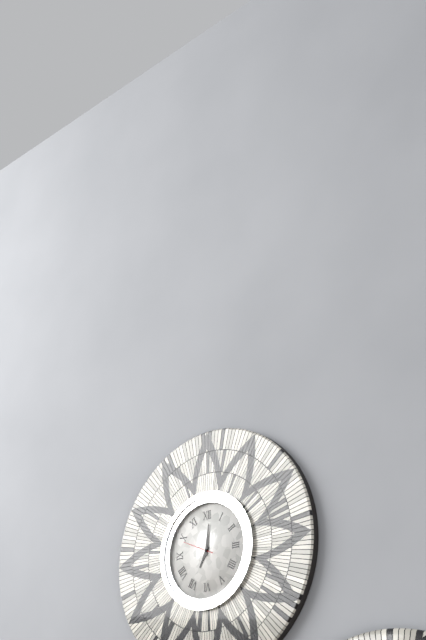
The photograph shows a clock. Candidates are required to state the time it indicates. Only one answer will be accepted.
7:01
